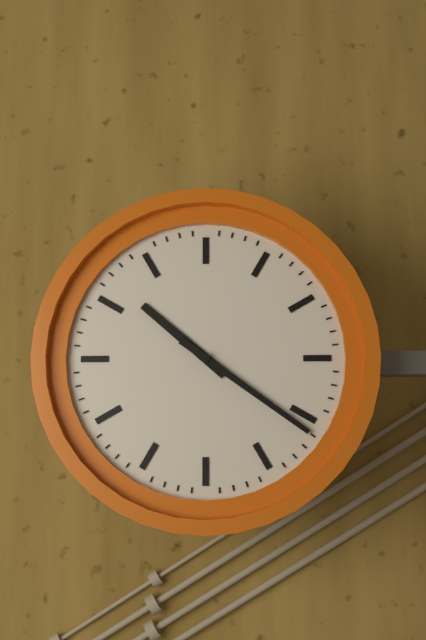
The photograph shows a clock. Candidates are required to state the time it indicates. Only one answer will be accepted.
10:21
